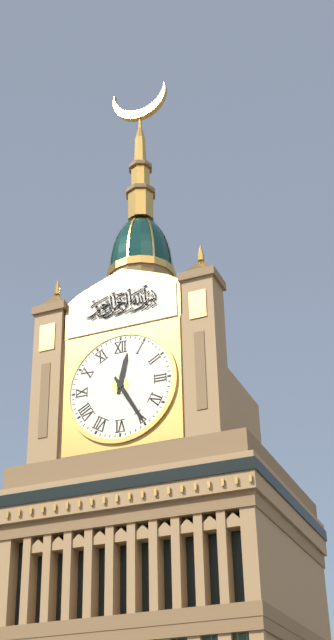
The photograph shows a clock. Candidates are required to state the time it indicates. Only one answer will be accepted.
12:25
